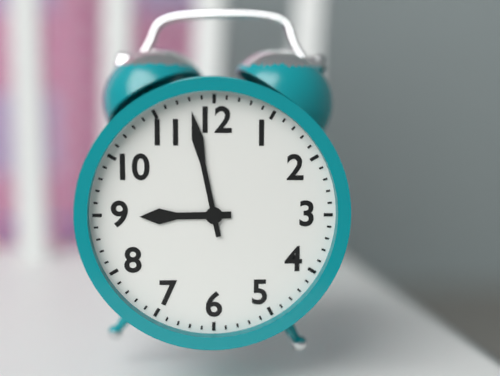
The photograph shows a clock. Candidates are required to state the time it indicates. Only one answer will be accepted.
8:58
